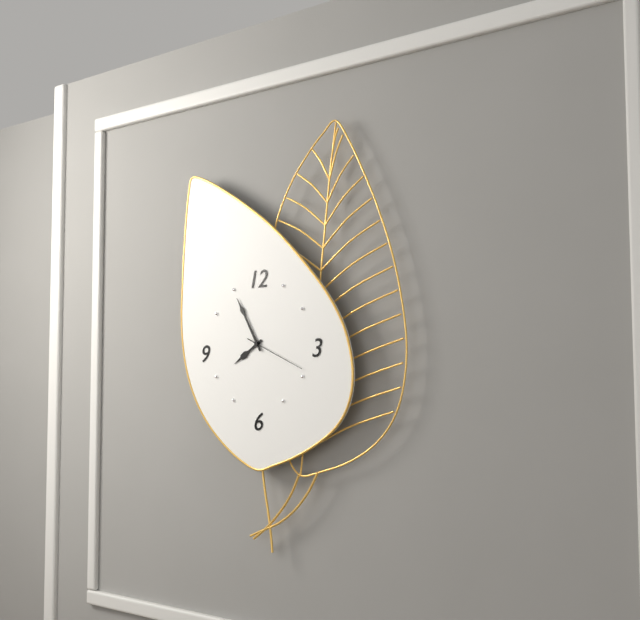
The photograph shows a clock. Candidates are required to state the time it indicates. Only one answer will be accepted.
7:55:19
